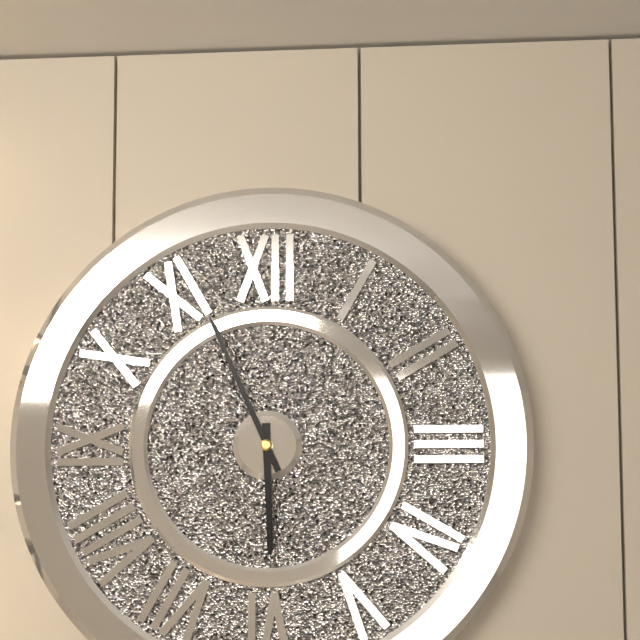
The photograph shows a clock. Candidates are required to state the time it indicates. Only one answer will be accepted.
5:56
